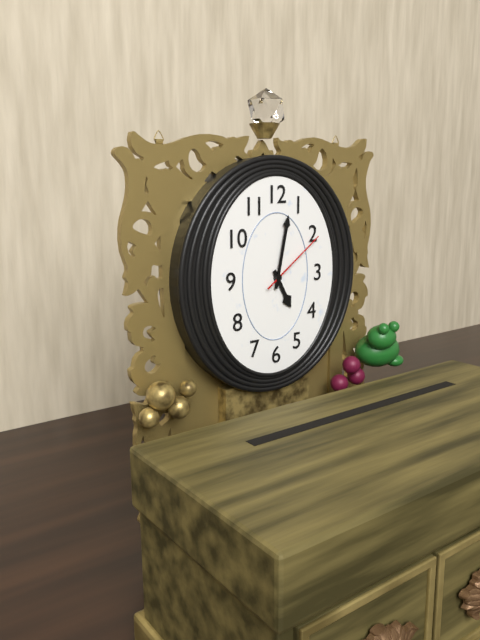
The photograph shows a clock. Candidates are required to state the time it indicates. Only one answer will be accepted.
5:02:09
